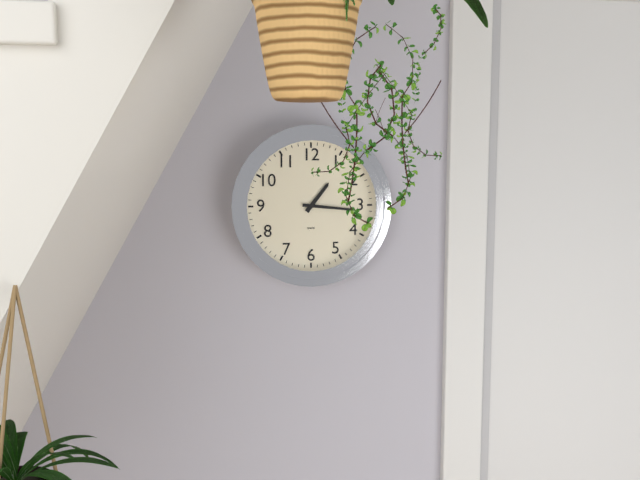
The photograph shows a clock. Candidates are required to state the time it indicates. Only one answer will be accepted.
1:16
